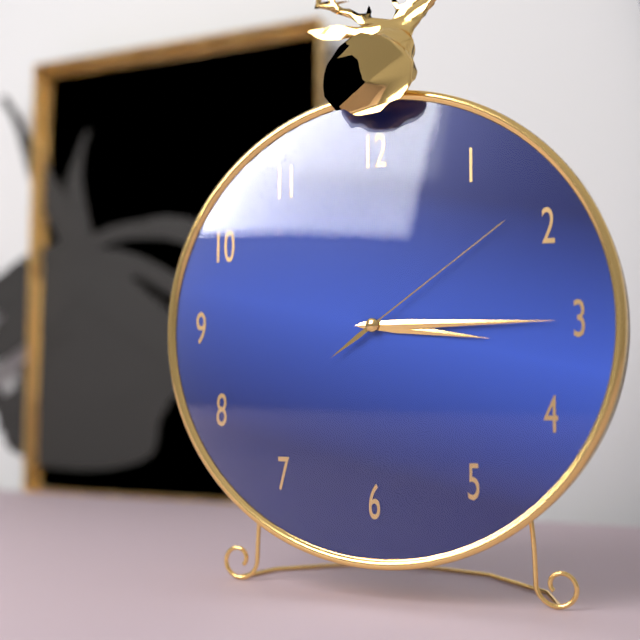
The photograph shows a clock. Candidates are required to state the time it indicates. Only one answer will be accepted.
3:15:09
